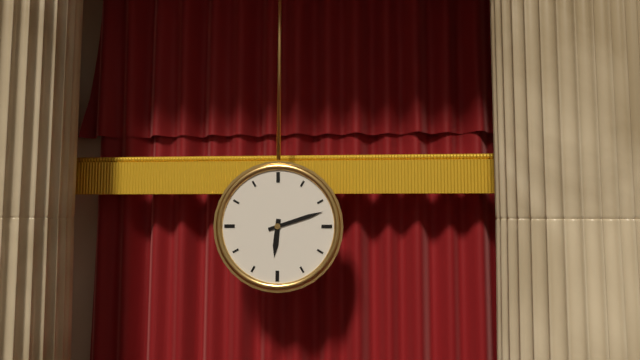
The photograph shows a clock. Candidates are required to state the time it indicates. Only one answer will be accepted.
6:12
